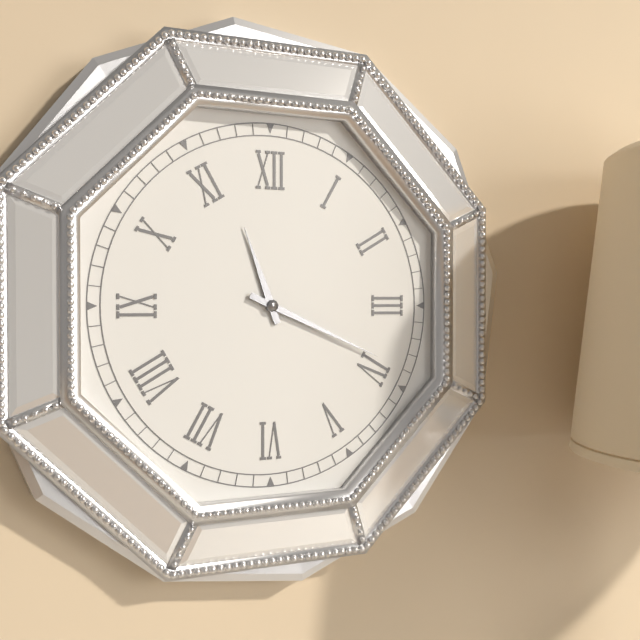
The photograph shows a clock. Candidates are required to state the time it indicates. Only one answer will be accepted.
11:19
